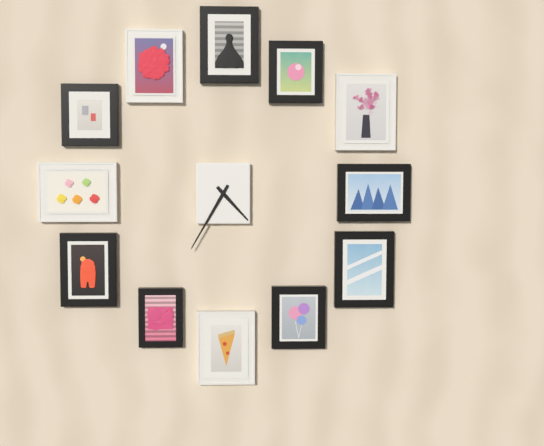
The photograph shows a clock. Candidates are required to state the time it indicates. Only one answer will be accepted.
4:35
